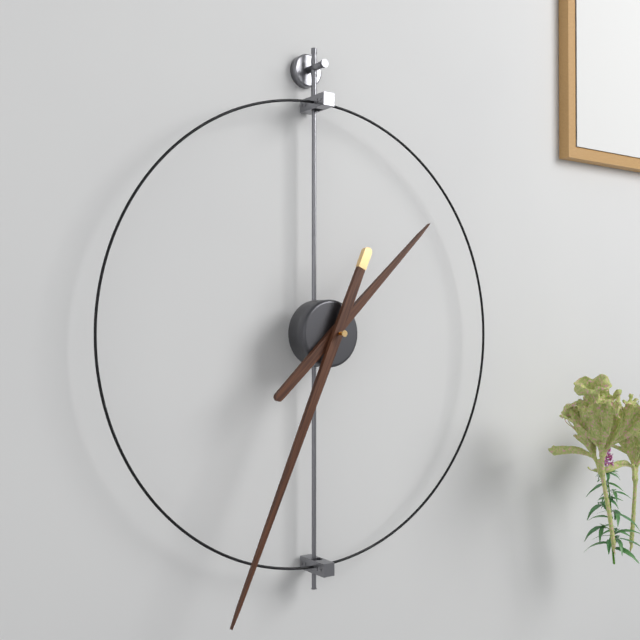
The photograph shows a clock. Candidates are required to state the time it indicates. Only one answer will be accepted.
1:34
